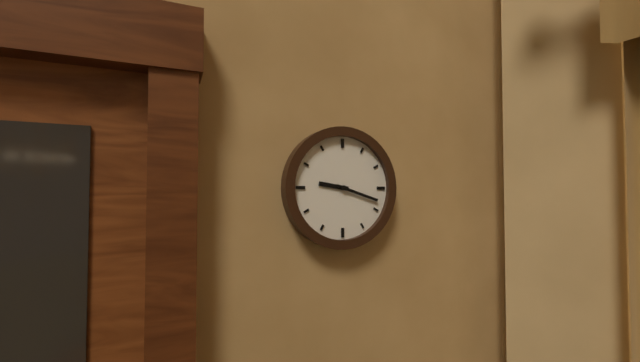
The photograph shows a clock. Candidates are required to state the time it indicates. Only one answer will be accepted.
9:18
